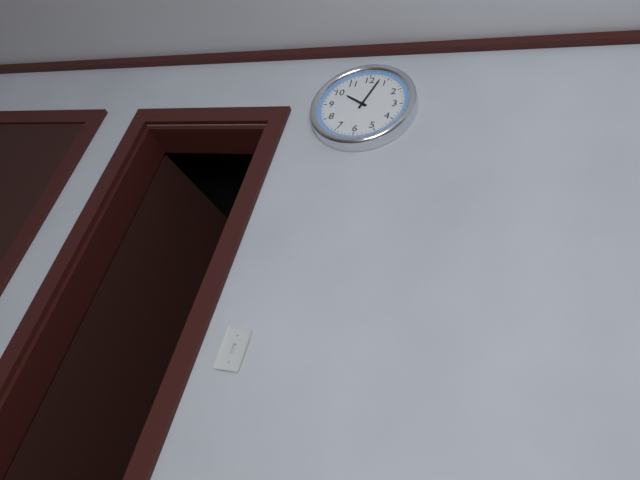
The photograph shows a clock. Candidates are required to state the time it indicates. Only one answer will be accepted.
10:03
